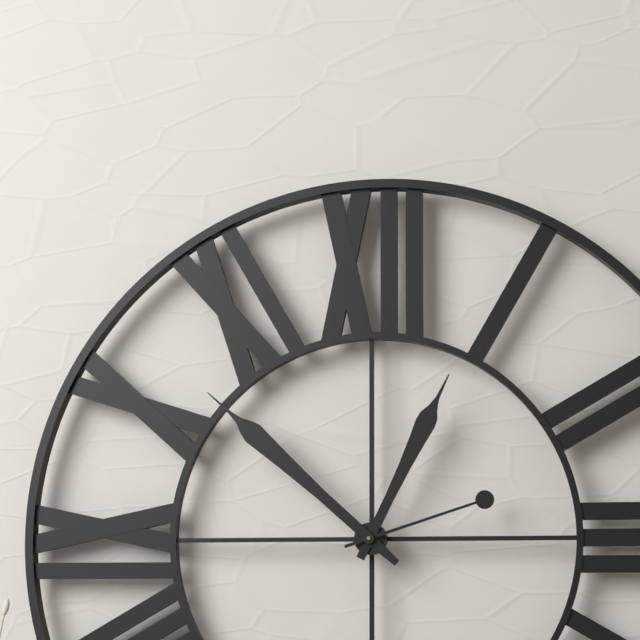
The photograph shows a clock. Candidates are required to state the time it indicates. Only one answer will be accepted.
12:52:12
